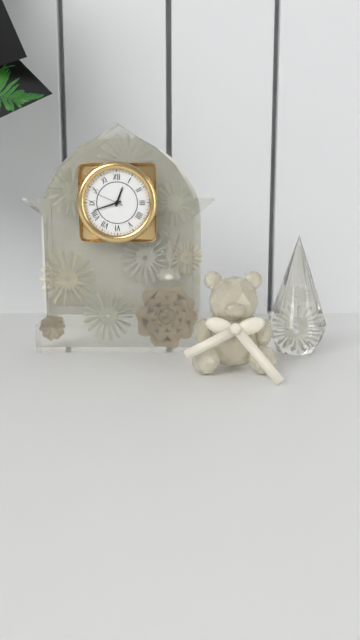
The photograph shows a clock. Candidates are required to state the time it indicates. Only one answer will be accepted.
12:42
